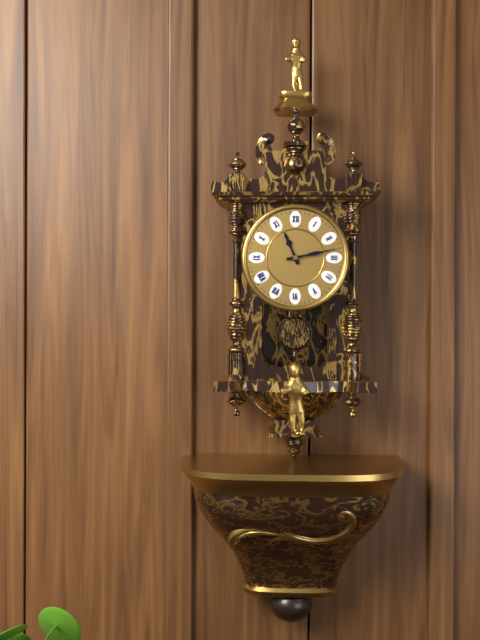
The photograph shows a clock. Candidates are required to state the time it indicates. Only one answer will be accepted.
11:13
